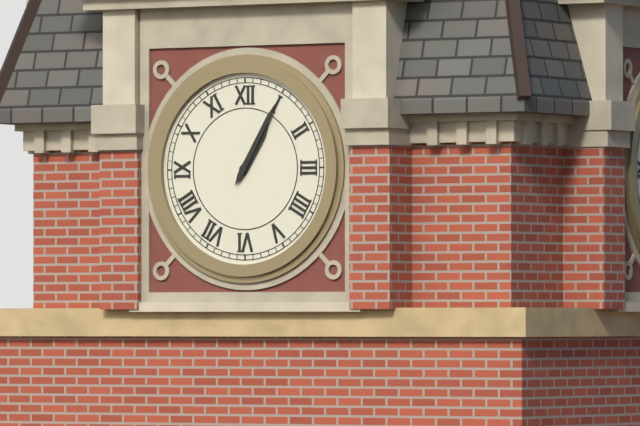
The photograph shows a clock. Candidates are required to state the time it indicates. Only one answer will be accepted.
1:05
